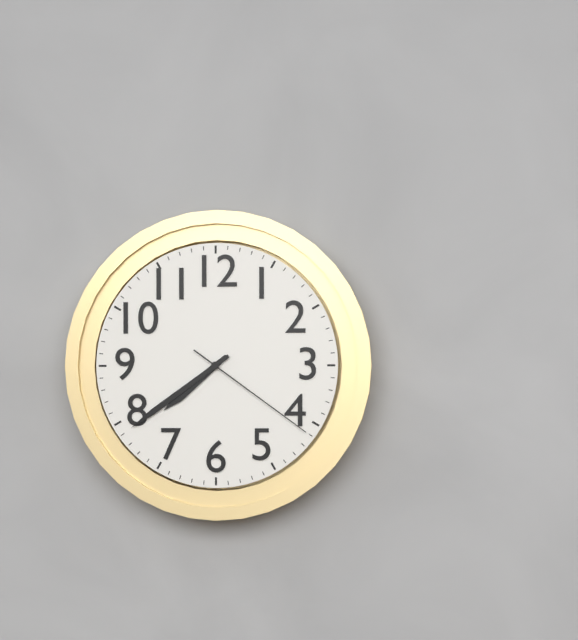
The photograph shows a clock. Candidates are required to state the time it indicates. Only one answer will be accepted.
7:39:21
